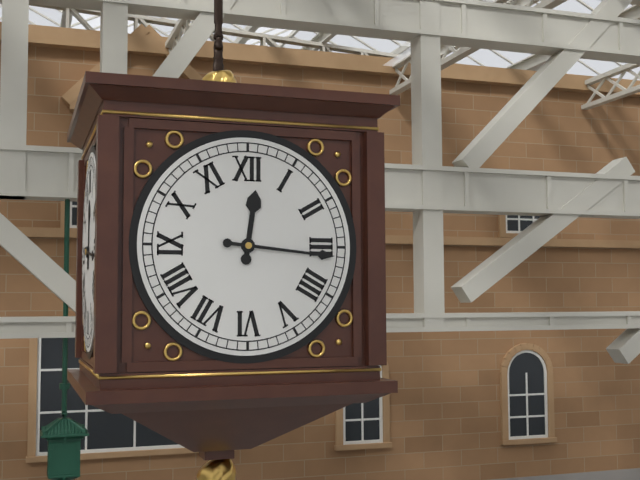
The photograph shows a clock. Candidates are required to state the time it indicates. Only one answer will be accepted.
12:16
